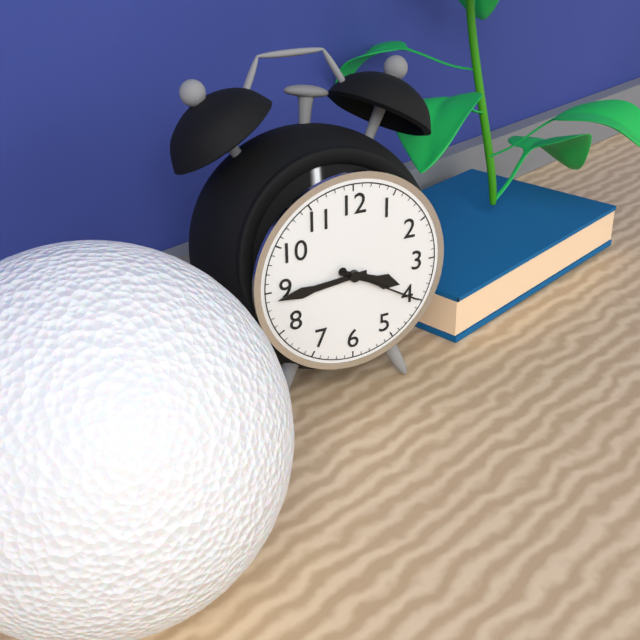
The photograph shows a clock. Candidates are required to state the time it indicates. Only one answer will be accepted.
3:44:20
